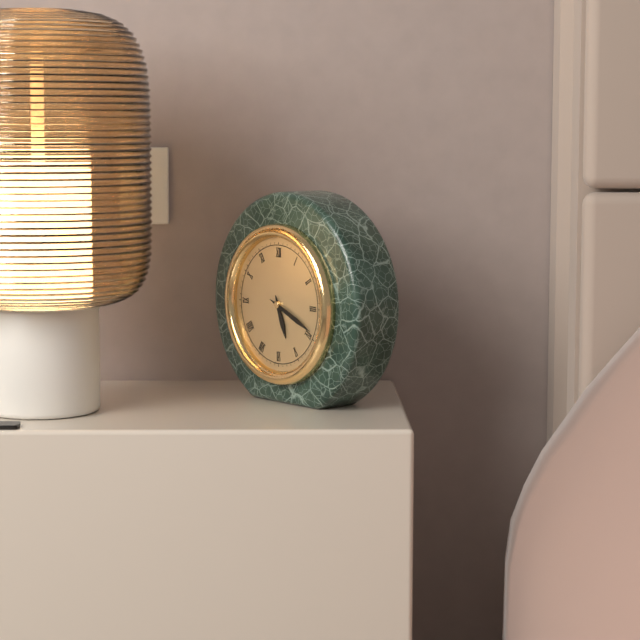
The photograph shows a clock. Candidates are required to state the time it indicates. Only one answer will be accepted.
5:19
